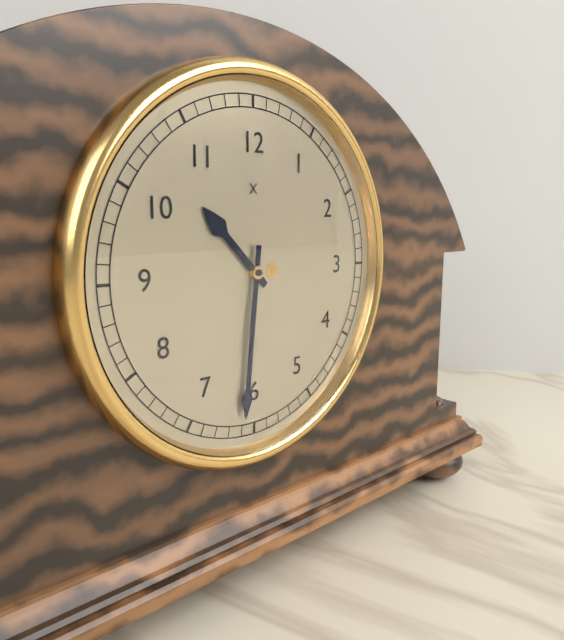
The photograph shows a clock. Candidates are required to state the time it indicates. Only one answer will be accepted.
10:31
